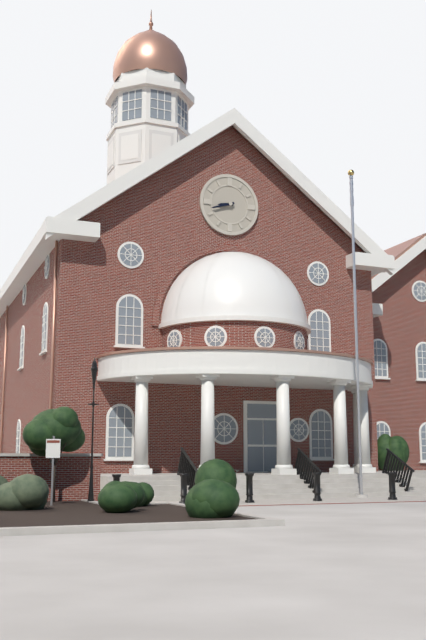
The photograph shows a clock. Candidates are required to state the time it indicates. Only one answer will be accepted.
8:42
